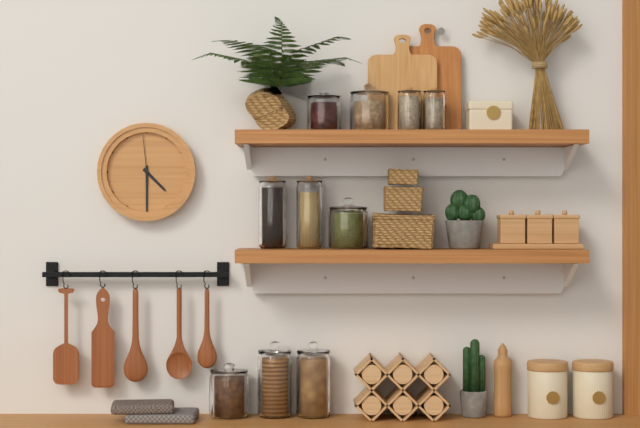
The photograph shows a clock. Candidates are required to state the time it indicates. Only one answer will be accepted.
4:30
